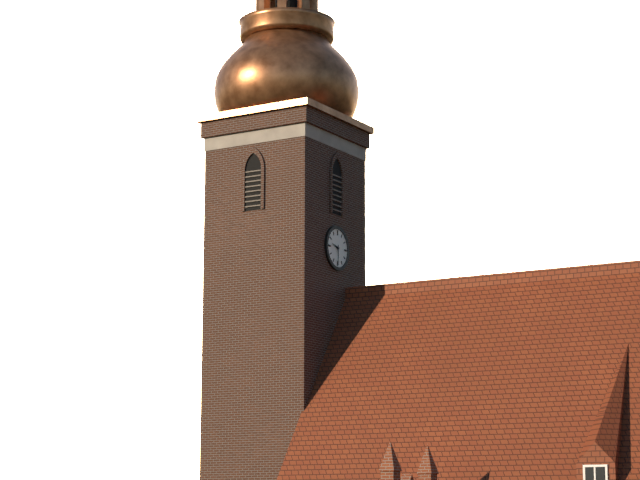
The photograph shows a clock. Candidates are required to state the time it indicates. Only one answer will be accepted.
9:30
